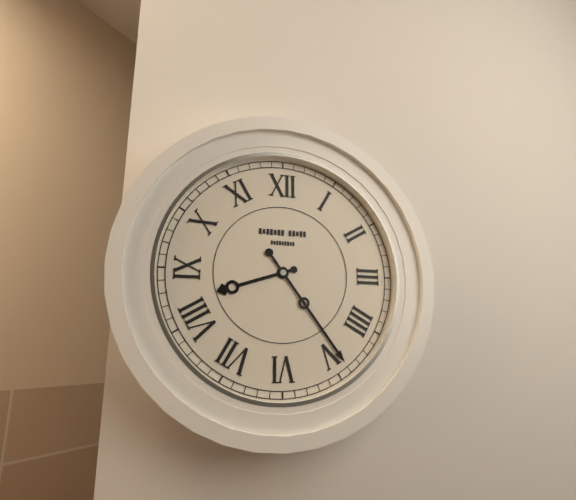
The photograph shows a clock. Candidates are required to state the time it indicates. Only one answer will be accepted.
8:24
